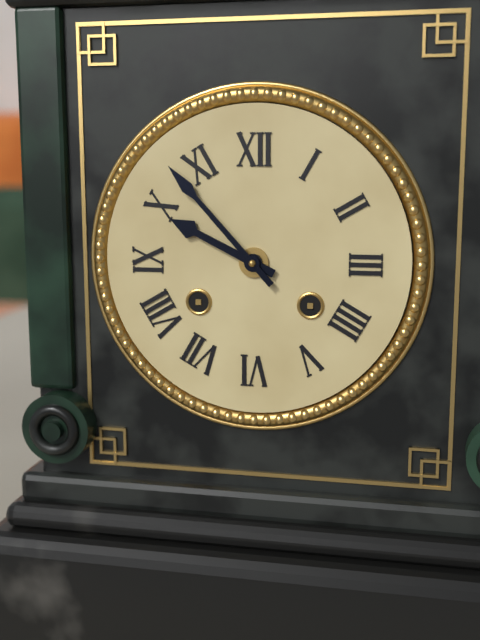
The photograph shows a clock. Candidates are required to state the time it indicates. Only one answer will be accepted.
9:53
